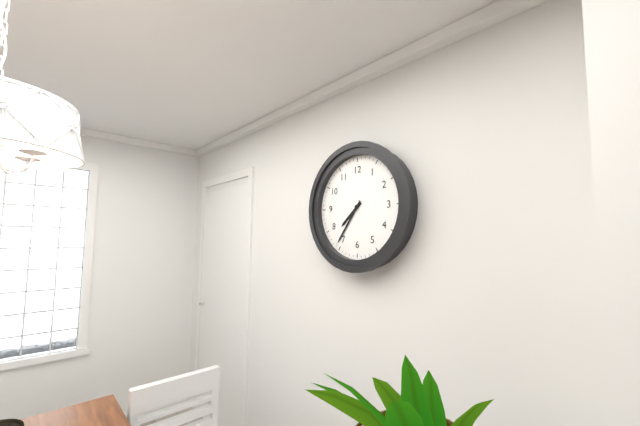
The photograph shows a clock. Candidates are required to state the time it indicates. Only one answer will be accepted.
7:36
